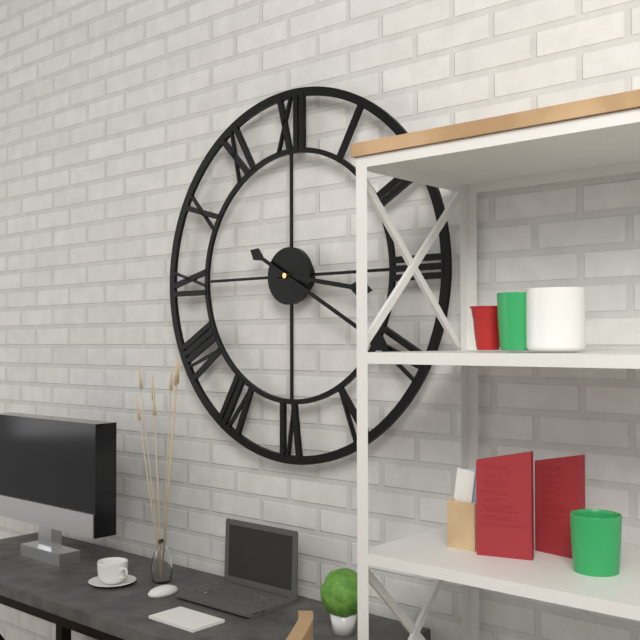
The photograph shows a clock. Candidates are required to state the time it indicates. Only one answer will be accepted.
3:20
